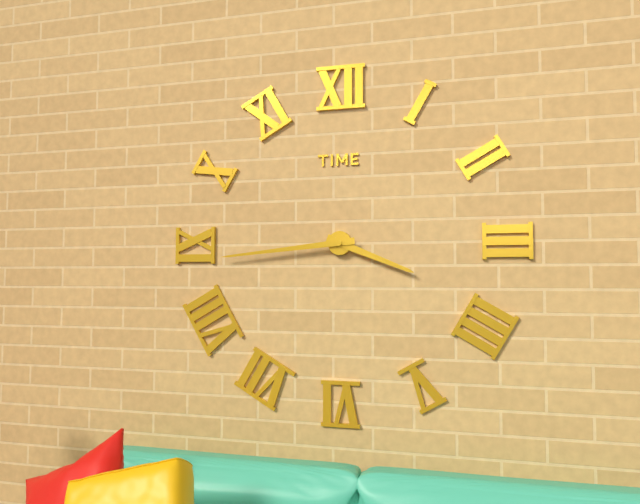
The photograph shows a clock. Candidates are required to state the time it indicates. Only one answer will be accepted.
3:44
